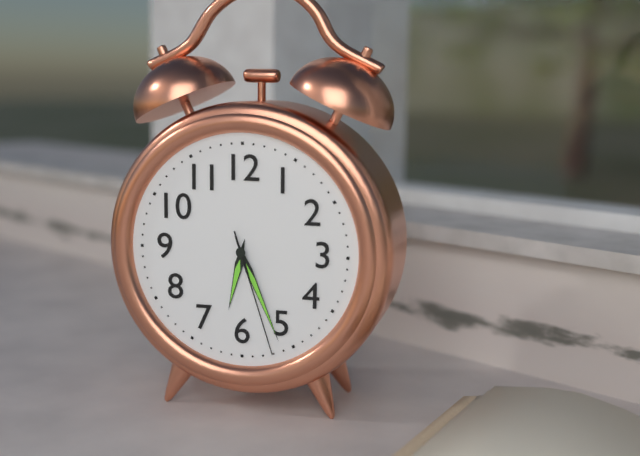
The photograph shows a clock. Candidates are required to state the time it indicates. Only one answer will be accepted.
6:26:27
